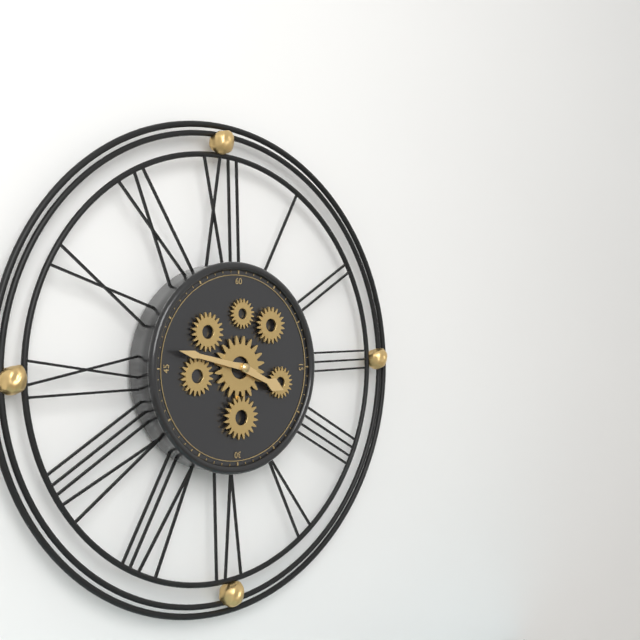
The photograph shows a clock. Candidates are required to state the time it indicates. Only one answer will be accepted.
3:47
